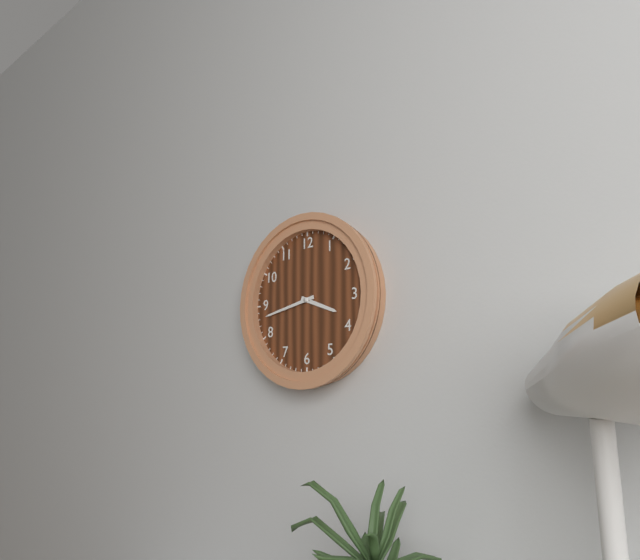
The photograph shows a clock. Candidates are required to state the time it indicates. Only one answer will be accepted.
3:43
